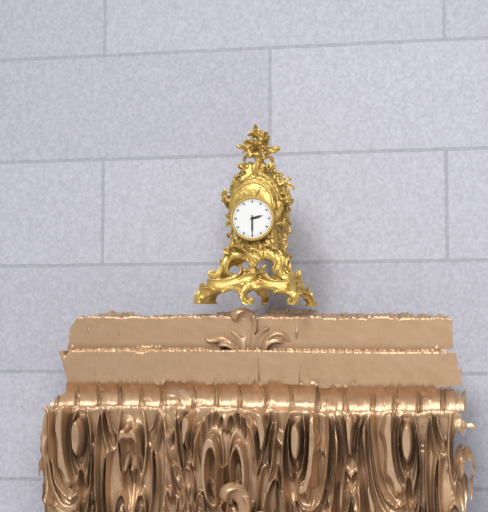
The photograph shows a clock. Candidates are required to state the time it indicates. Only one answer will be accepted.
2:30
